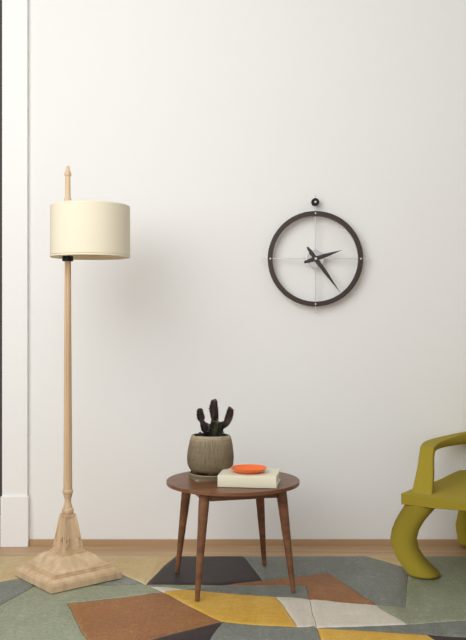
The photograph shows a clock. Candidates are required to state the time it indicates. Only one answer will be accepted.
2:24
